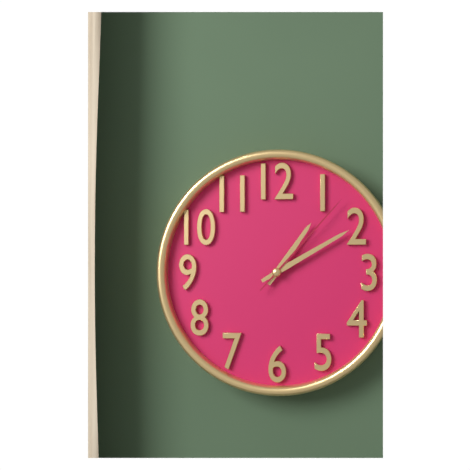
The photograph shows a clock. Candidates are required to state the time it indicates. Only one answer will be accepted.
1:10:07
